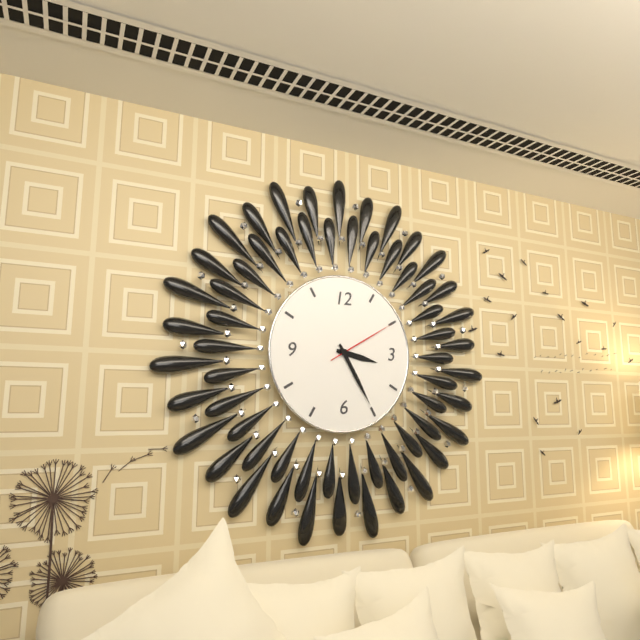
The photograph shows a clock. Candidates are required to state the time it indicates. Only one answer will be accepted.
3:25:10
